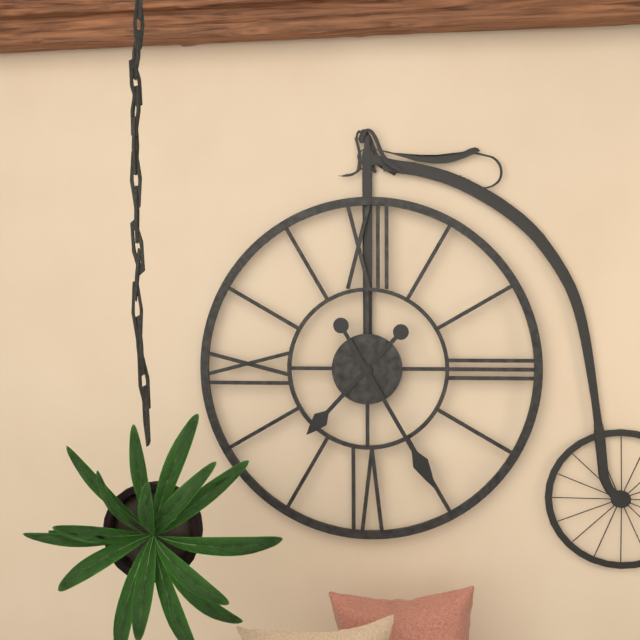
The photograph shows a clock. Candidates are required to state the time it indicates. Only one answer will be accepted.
7:25
